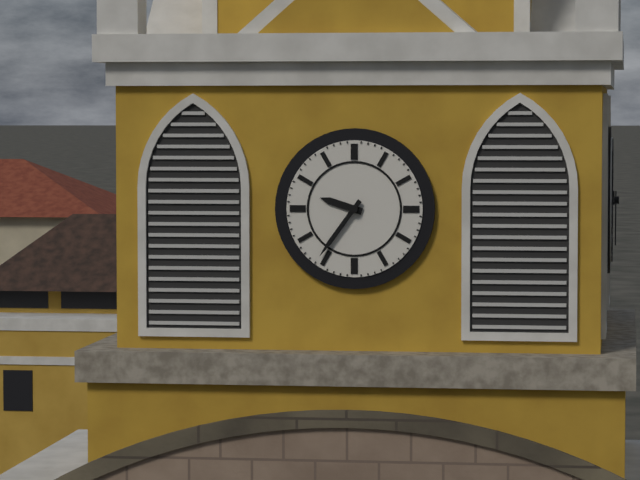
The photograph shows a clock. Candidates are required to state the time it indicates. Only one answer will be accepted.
9:36
